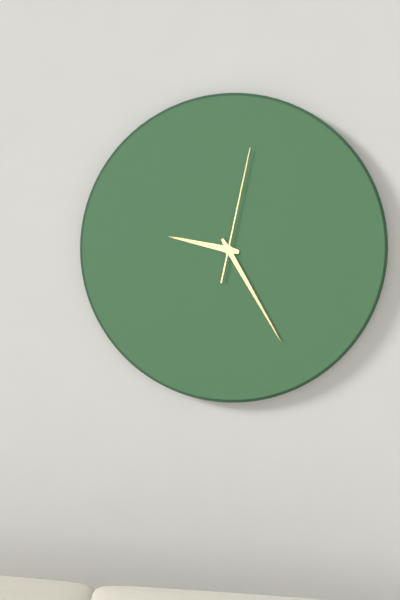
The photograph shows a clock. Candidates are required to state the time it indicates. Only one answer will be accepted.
9:25:02
